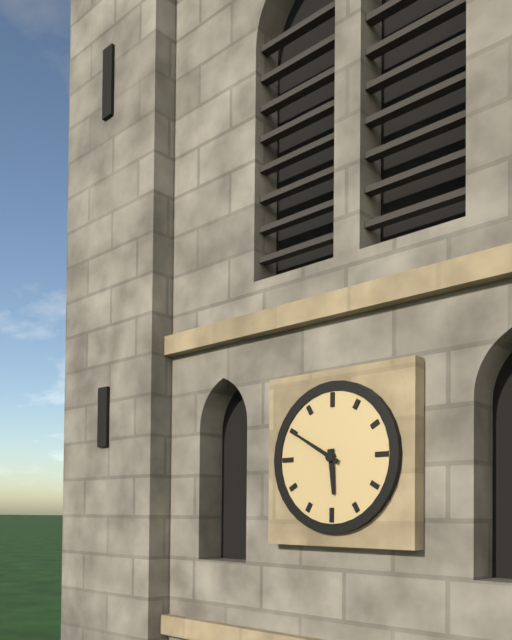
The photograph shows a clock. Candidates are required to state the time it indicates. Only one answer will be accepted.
5:50
